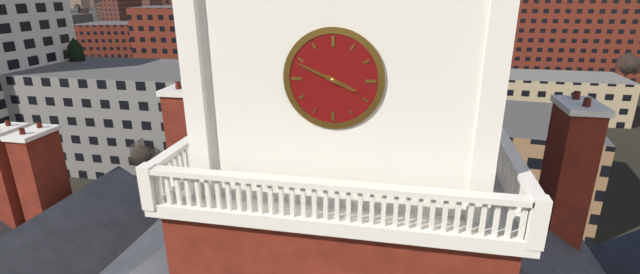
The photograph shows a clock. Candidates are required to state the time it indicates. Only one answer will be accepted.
3:49
